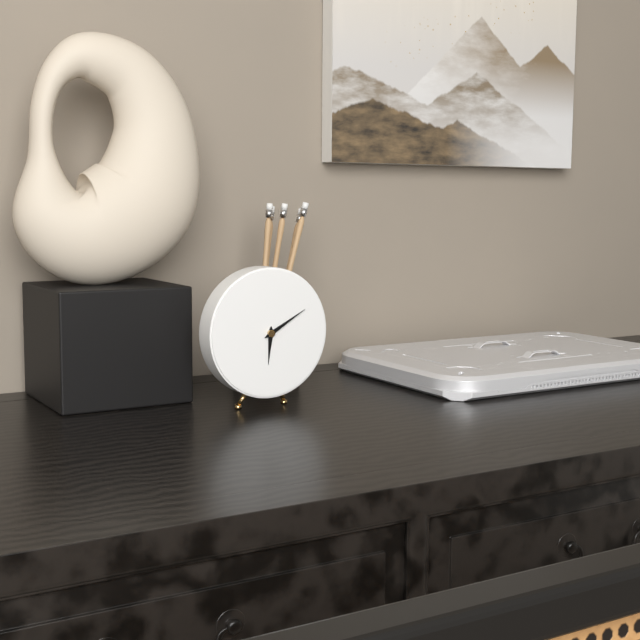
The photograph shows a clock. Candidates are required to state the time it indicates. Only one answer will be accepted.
6:10
